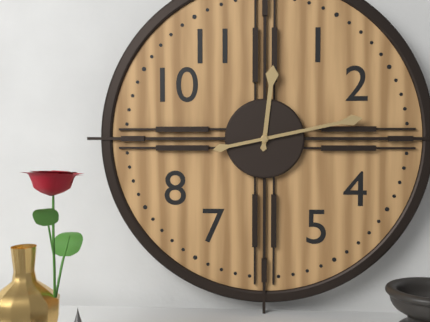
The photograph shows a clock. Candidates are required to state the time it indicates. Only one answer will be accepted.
12:13
